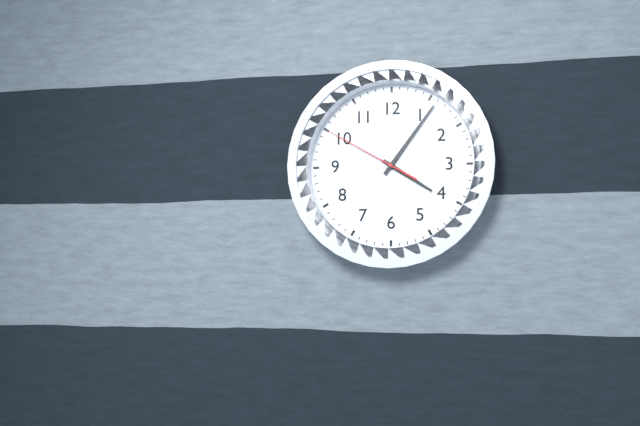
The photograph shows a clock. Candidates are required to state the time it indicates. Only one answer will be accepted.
4:06:50
